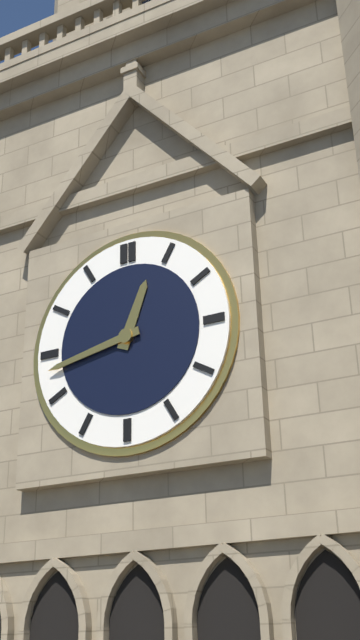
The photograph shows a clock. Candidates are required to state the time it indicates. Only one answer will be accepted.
12:43
